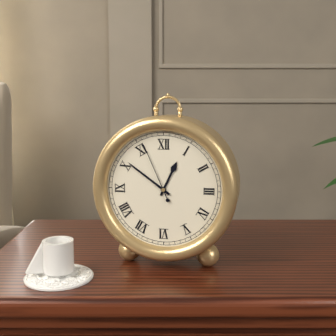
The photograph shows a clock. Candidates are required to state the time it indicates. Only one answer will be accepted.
12:51:56
